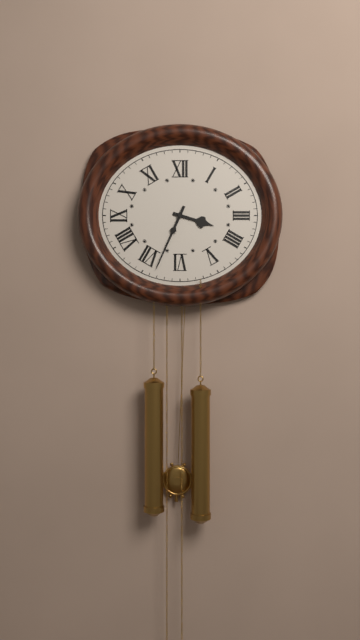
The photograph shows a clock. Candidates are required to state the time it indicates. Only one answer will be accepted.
3:34
